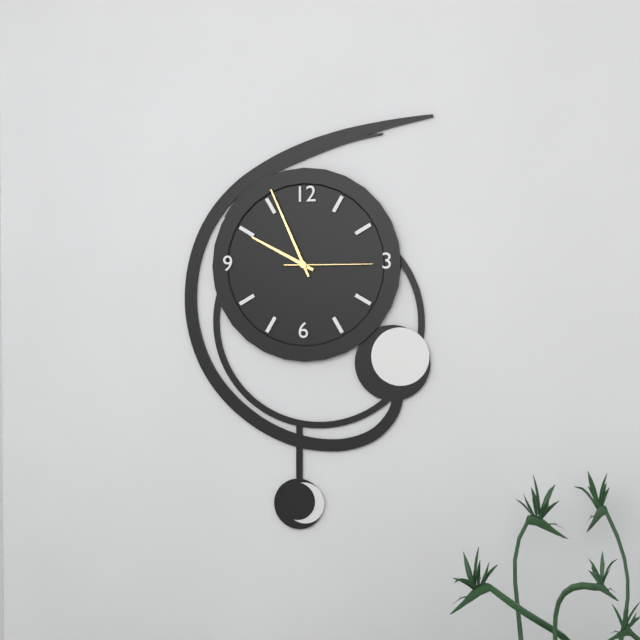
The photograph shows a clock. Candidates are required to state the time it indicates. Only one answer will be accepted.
9:56:15
